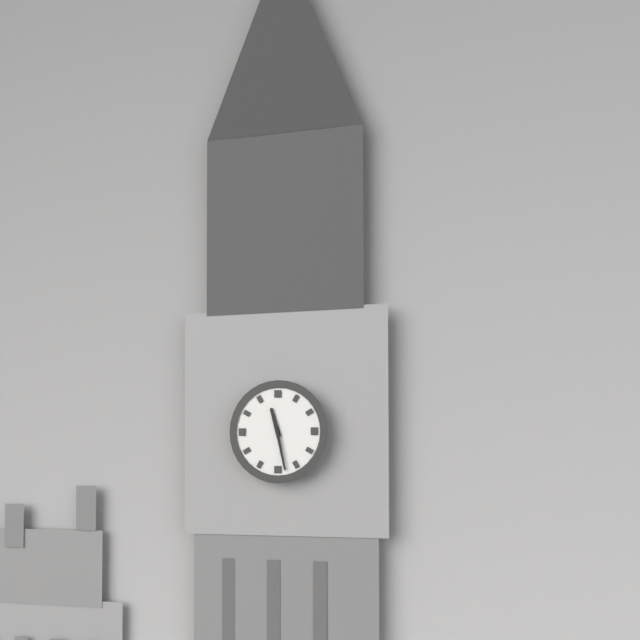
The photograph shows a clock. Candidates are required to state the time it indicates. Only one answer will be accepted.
11:28
